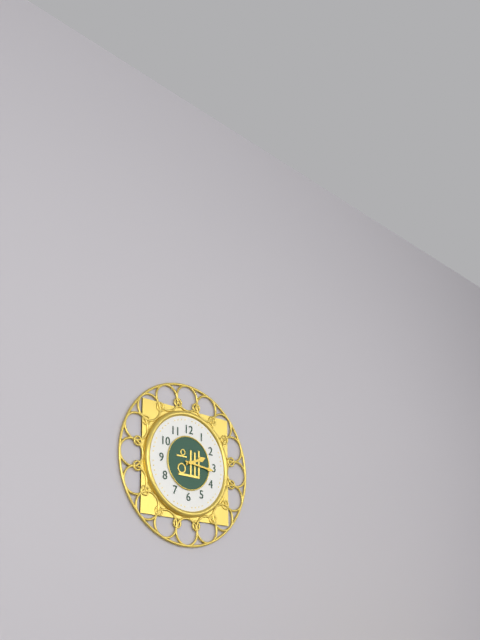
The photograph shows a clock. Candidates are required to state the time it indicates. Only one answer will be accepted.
2:16
